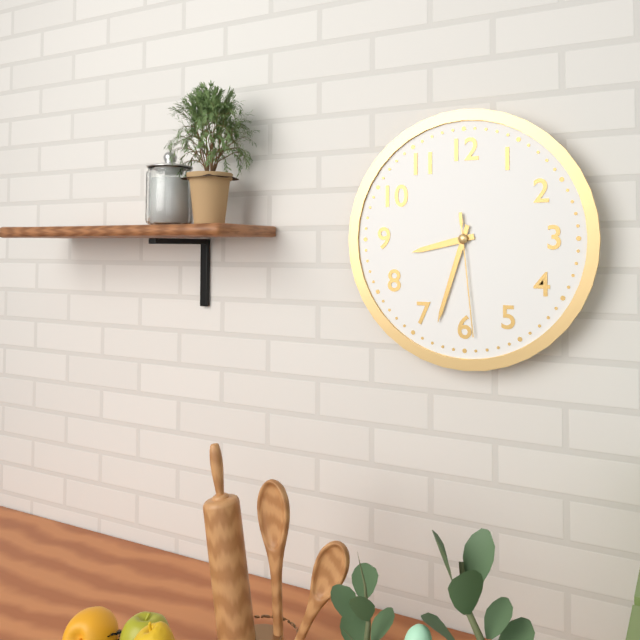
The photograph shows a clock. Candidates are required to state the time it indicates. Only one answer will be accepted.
8:33:29
